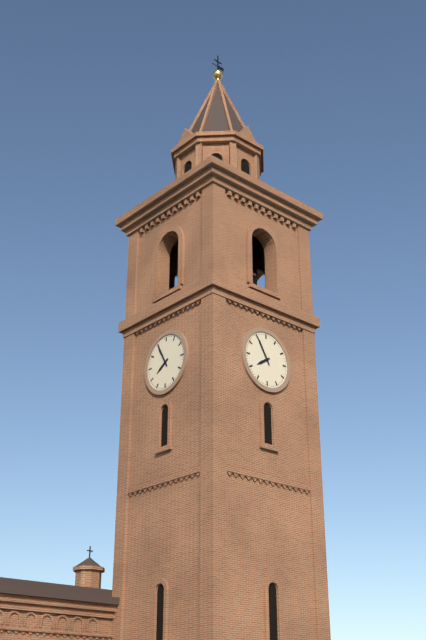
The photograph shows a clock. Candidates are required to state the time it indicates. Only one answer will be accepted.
7:55
